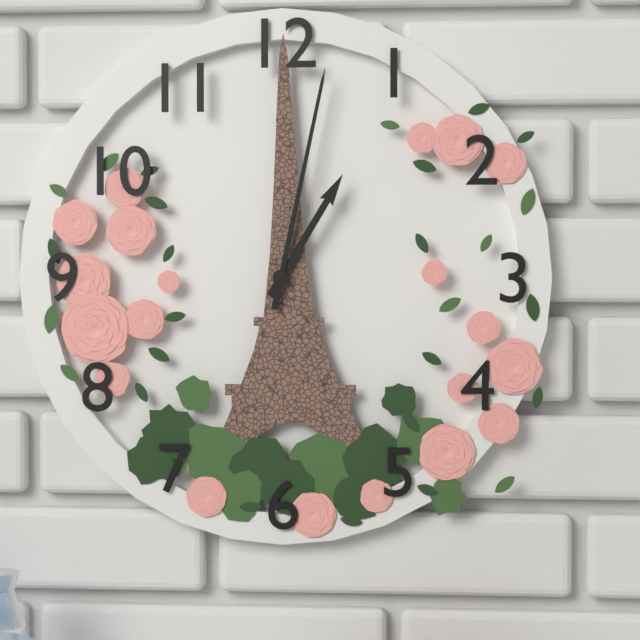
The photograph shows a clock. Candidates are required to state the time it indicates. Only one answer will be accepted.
1:02
